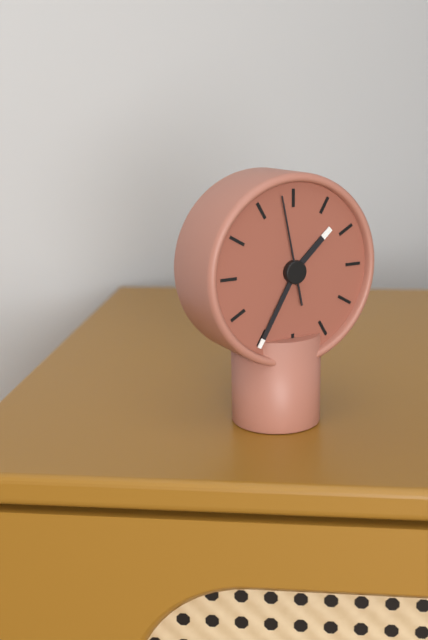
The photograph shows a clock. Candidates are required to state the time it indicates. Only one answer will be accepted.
1:35:58
